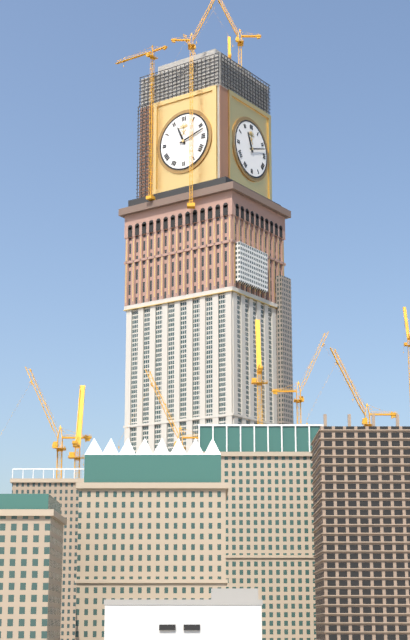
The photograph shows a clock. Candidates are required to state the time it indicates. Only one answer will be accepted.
11:12
